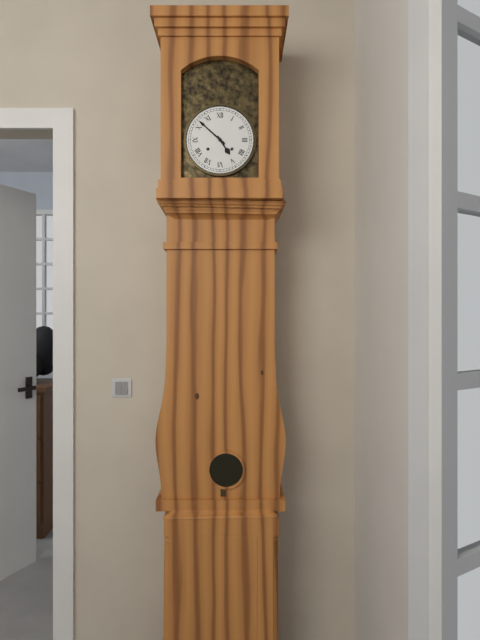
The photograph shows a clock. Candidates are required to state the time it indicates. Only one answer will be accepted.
4:52
